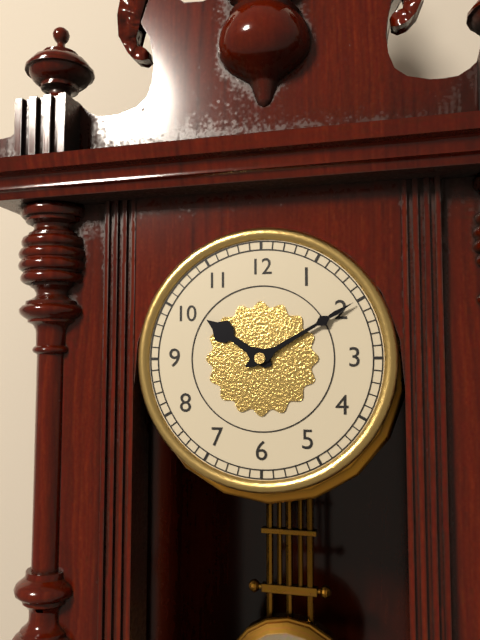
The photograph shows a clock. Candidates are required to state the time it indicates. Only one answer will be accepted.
10:10
